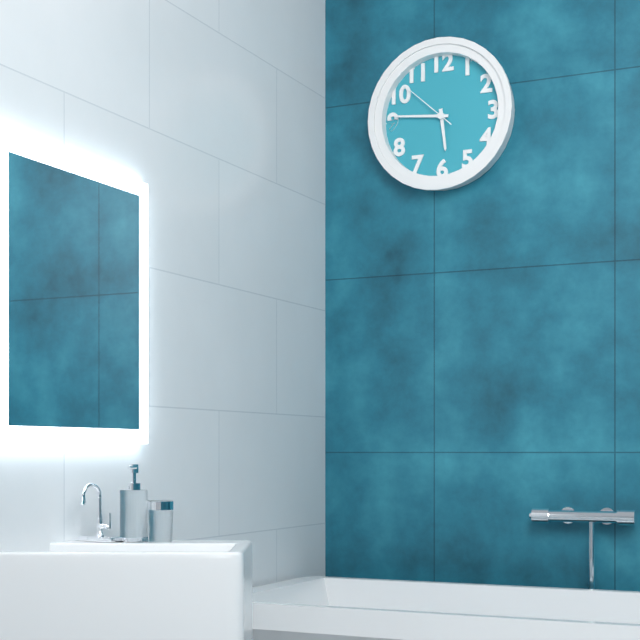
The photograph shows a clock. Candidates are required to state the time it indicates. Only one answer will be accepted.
5:46:52
